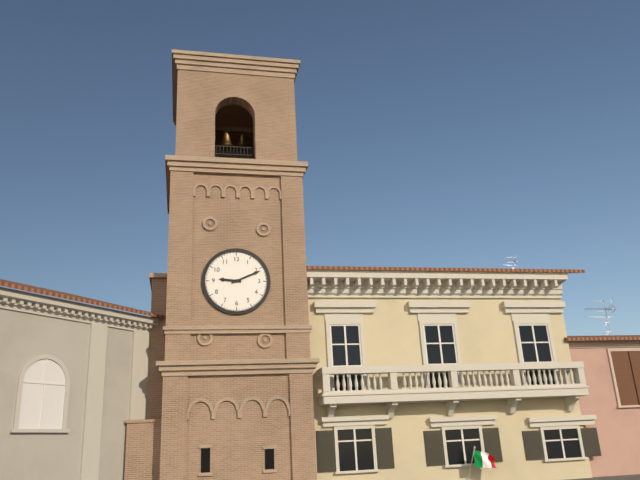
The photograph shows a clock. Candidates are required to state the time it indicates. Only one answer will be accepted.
9:11
